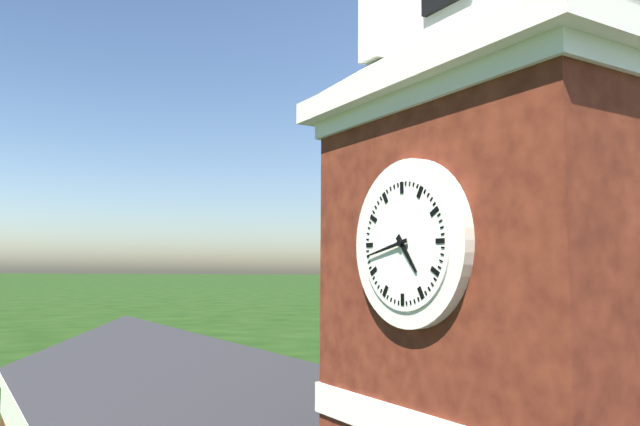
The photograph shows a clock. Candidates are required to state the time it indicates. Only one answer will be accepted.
4:43
